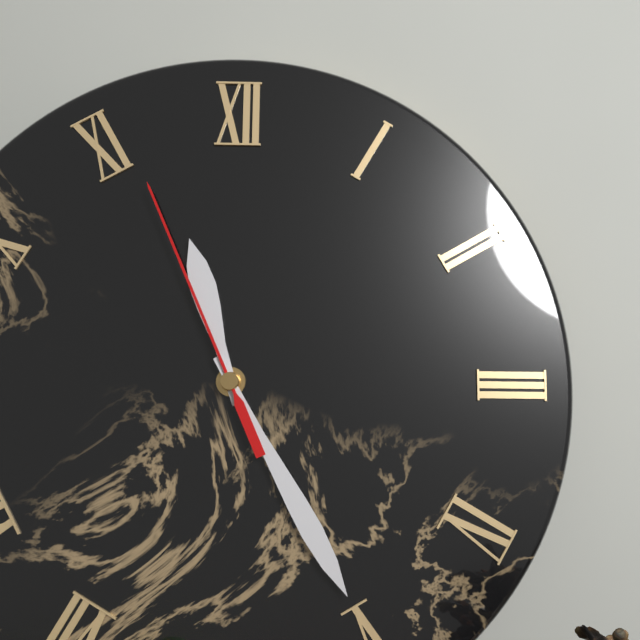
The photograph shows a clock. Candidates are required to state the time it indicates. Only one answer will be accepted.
11:25:56
